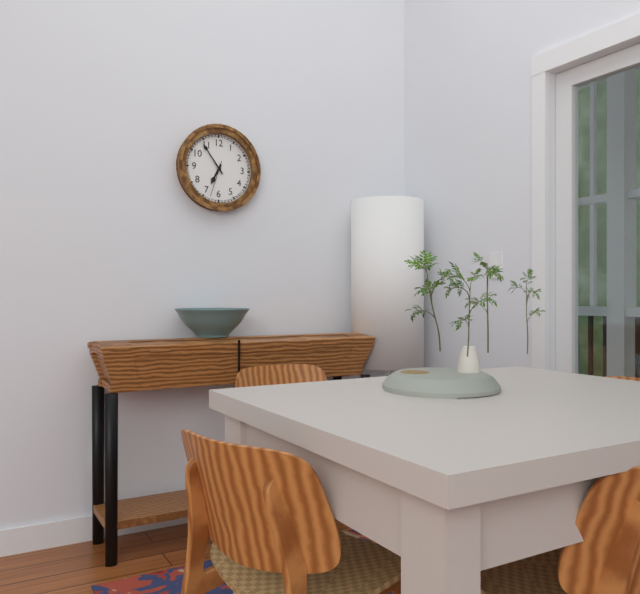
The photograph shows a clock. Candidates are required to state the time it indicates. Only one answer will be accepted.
6:54
